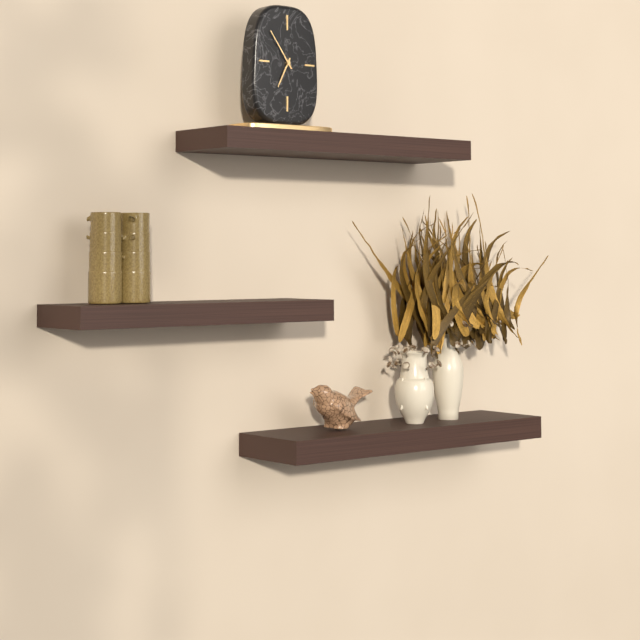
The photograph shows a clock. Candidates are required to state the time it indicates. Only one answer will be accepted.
6:54
